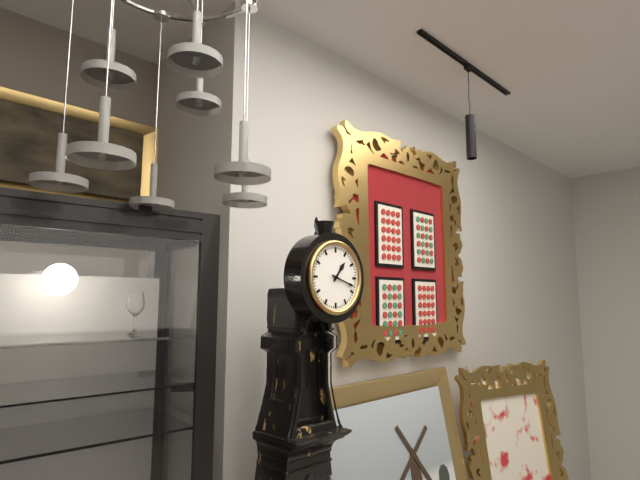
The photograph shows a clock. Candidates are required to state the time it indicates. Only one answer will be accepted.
1:18
